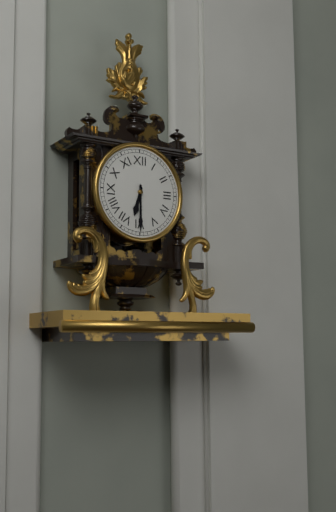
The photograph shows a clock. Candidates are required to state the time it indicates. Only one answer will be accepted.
6:30
